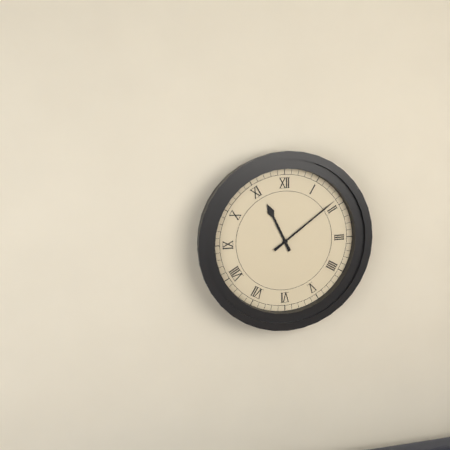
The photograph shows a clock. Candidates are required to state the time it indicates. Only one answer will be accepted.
11:09
